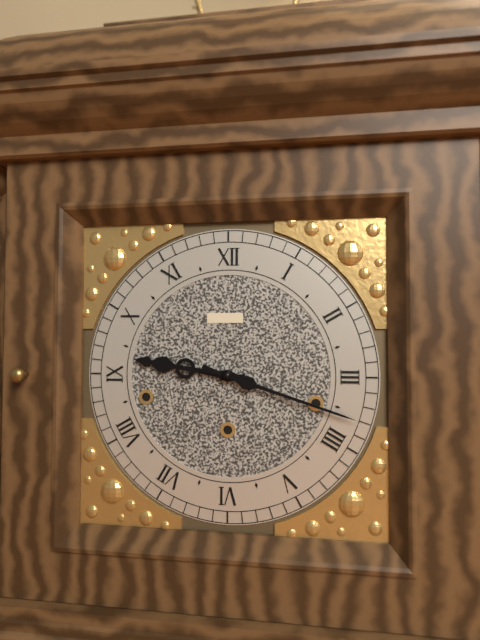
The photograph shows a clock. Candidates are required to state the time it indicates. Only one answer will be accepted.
9:18
